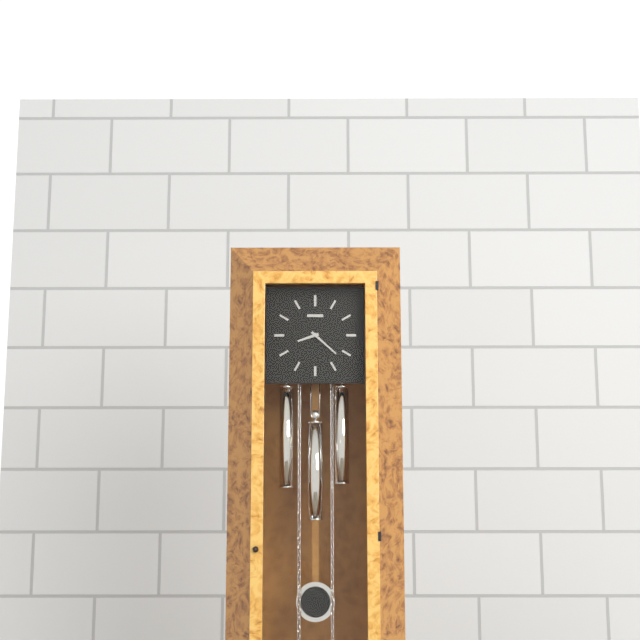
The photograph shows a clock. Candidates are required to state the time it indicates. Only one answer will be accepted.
8:22
